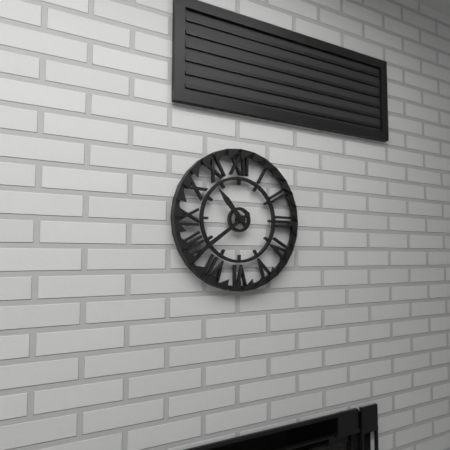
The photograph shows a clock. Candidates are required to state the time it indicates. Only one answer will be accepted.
10:39
